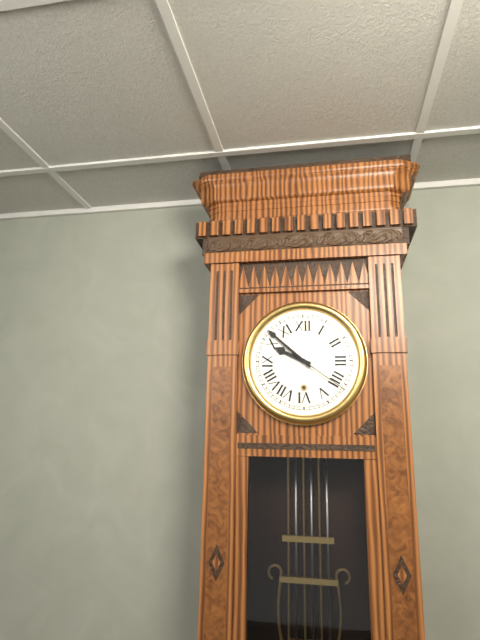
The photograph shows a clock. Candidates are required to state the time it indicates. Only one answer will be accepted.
9:52:21
